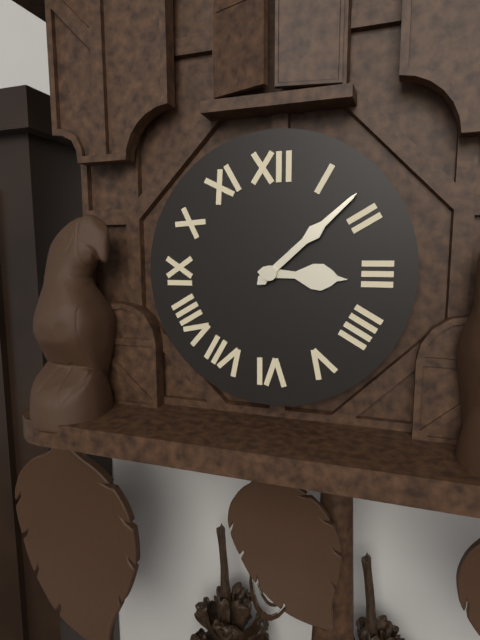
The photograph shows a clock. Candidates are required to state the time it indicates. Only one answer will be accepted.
3:08
